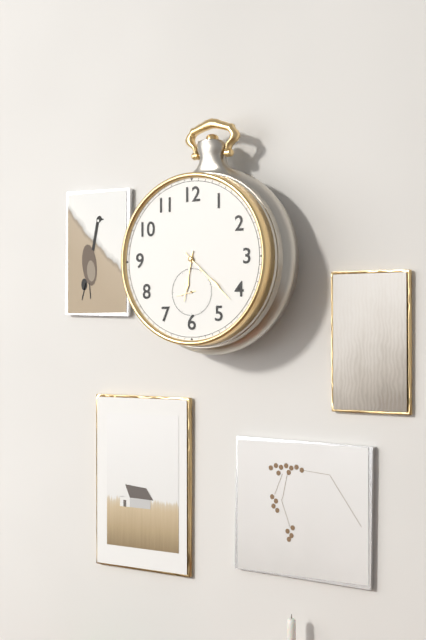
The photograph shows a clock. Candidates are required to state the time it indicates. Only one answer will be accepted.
6:22
